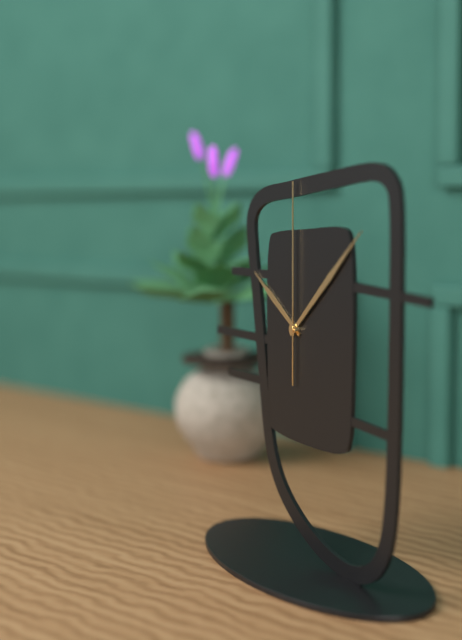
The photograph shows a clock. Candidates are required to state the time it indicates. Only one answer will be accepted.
10:08:00
